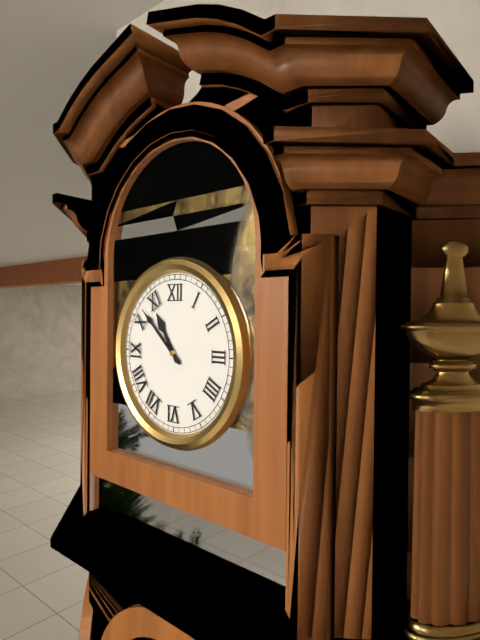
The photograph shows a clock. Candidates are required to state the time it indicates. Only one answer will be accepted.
10:52
